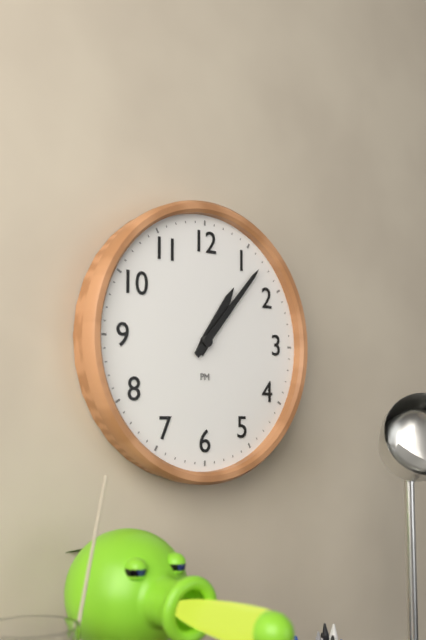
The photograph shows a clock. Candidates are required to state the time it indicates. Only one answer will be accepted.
1:07
